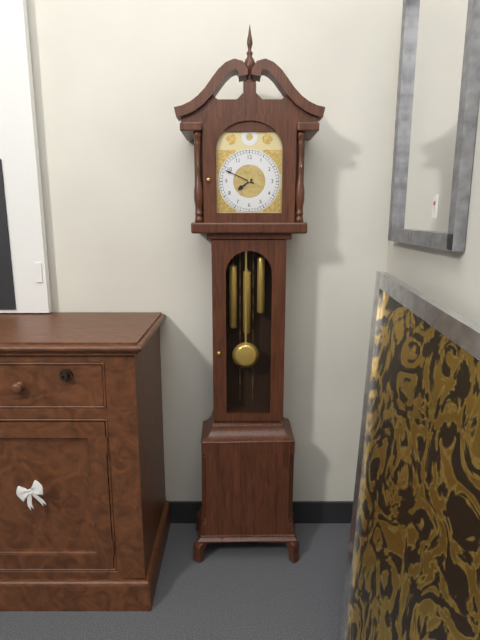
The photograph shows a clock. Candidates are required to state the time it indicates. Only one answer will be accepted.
7:49
